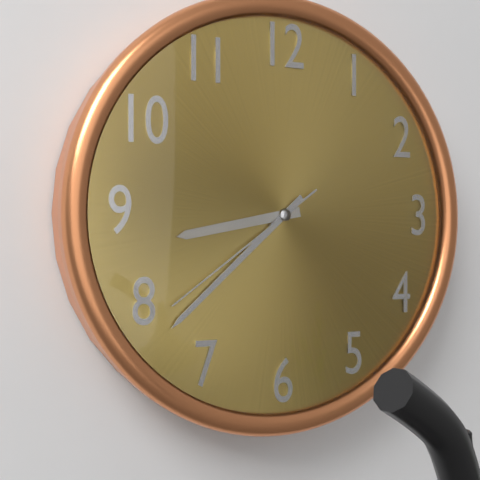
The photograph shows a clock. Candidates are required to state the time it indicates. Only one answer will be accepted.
8:38:39
